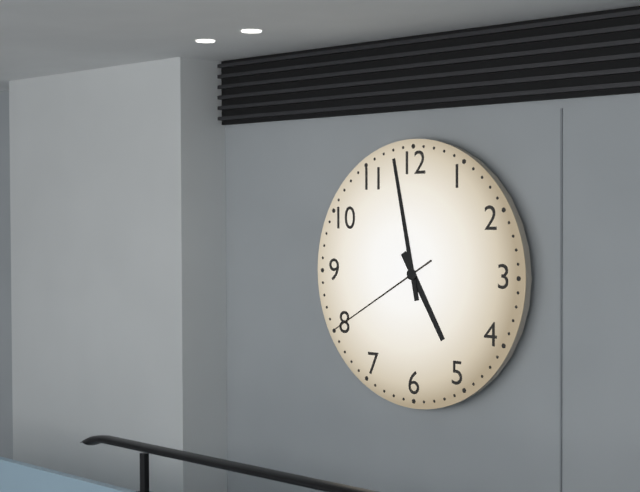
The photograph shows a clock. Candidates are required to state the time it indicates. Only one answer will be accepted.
4:58:40
